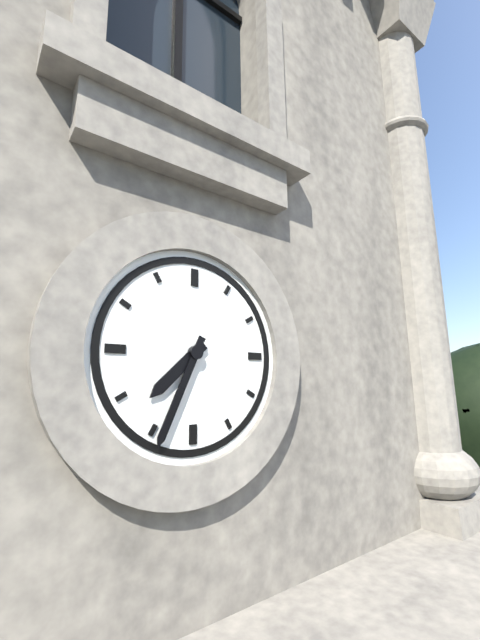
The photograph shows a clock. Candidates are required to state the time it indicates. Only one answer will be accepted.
7:34
